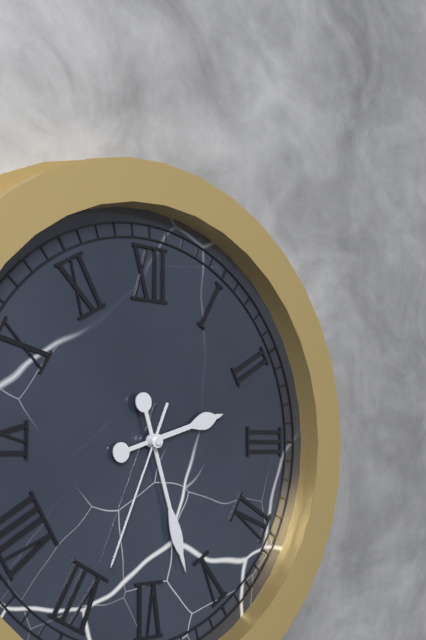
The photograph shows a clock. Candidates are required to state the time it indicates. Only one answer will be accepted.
2:27:34
